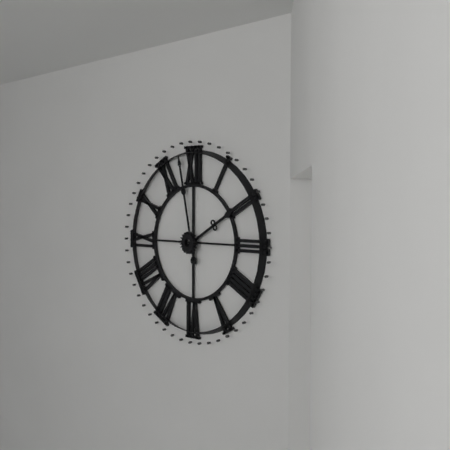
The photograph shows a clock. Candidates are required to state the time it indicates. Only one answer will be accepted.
1:58
